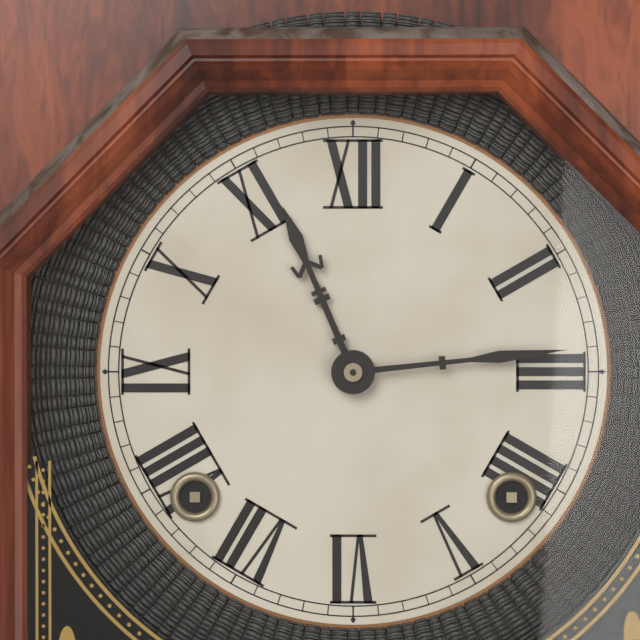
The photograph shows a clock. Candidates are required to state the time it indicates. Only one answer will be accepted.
11:14
